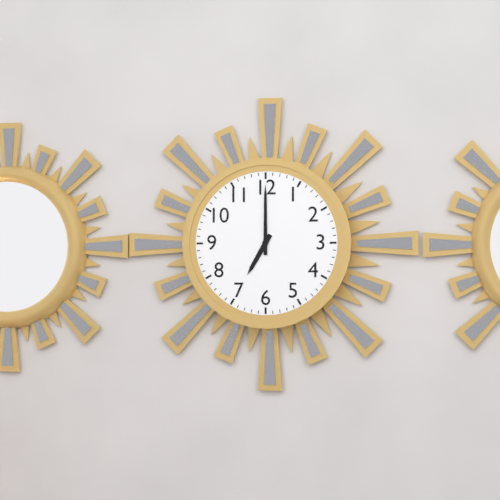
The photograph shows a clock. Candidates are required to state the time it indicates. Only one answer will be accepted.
7:00
